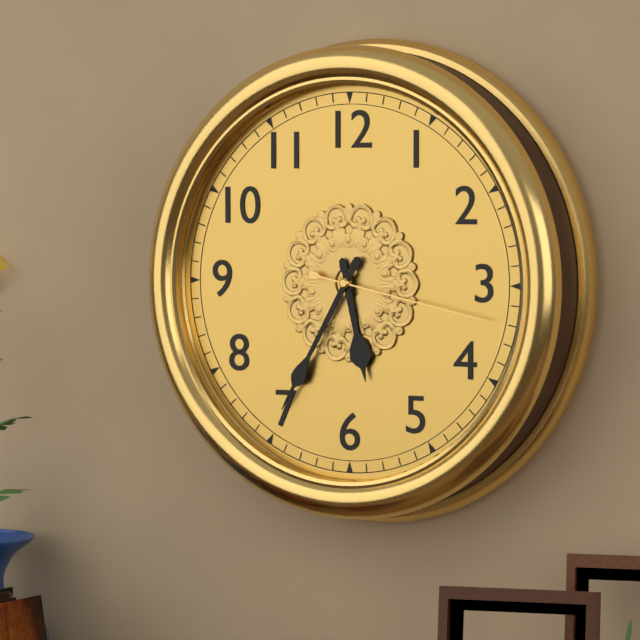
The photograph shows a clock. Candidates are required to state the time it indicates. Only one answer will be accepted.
5:35:17
